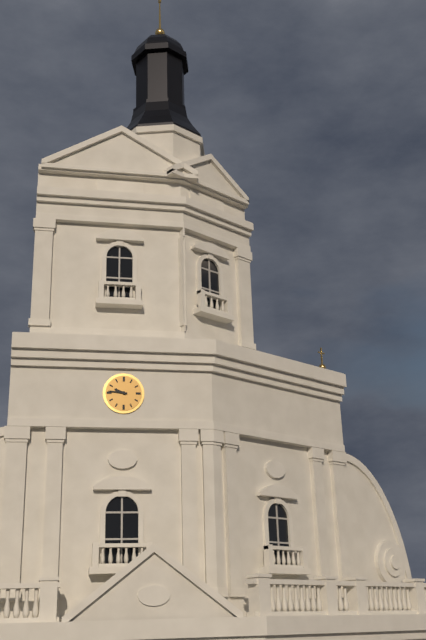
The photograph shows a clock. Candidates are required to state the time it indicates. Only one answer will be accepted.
9:46
